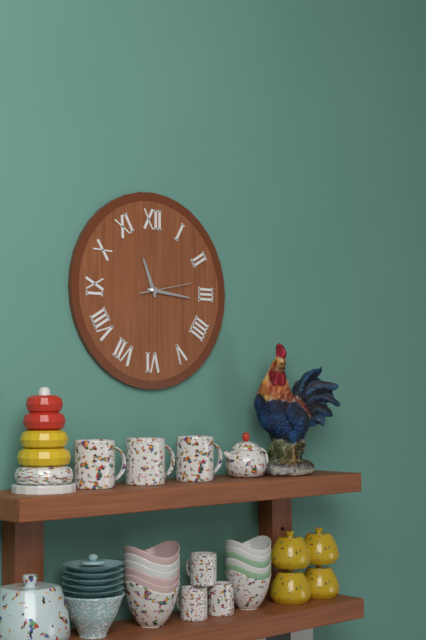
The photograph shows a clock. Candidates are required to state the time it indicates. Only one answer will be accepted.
11:16
